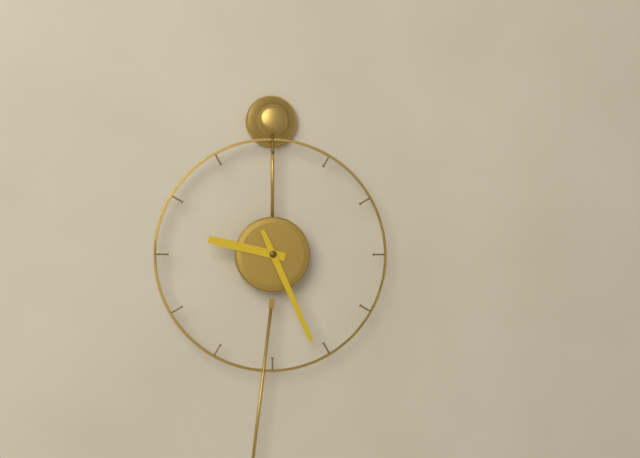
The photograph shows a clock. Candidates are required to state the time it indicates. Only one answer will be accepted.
9:26
